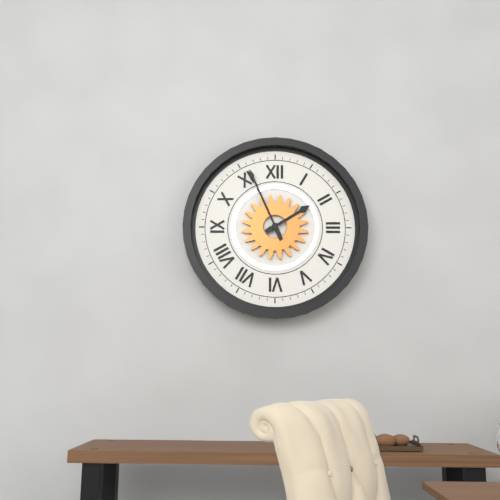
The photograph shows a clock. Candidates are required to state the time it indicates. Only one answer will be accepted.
1:56
